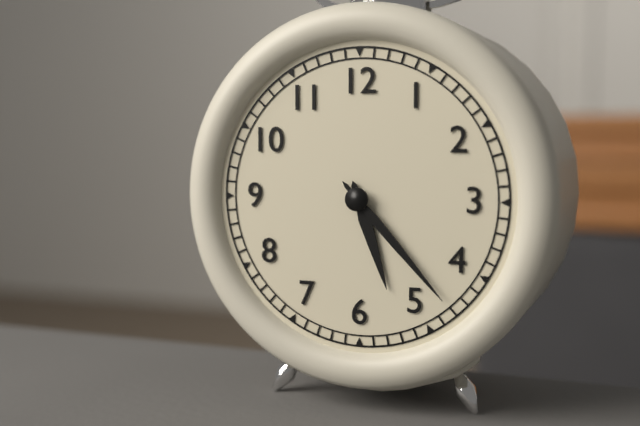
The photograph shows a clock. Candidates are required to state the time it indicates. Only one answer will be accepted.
5:23
